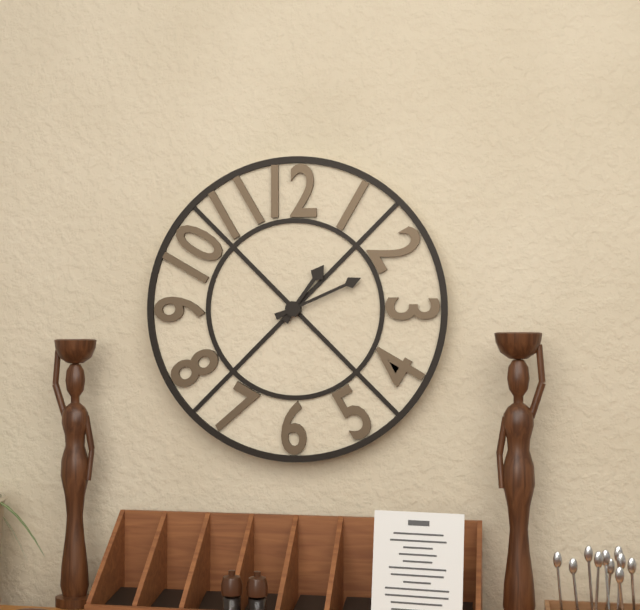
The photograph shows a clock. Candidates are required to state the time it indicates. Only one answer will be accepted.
1:11
